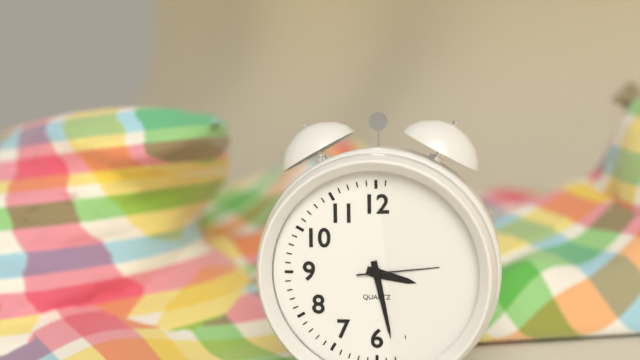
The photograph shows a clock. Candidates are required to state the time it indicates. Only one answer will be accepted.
3:28:14
